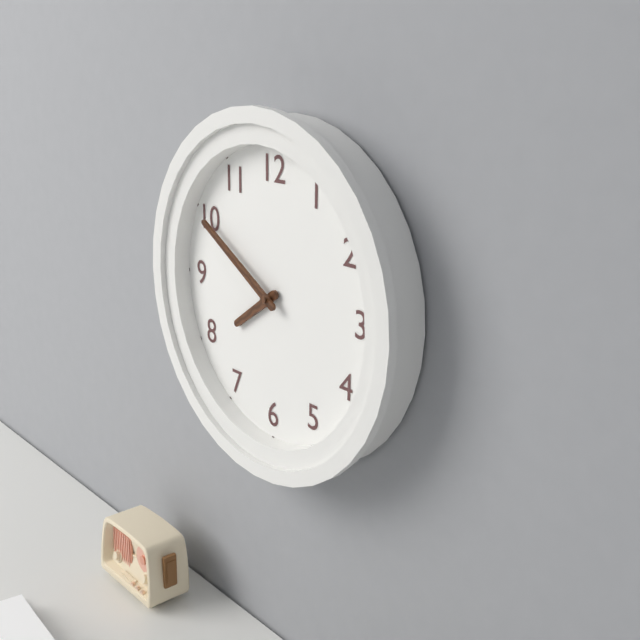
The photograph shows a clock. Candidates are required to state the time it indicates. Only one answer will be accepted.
7:50
